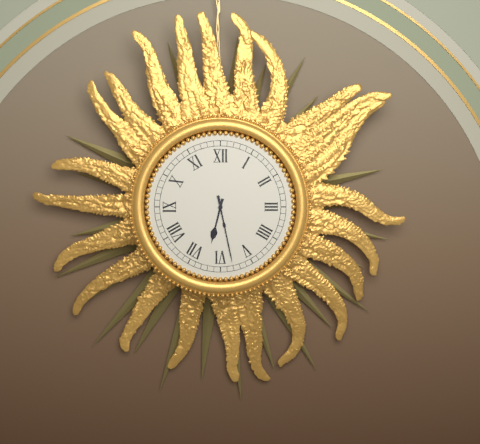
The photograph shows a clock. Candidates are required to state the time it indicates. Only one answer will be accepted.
6:28
